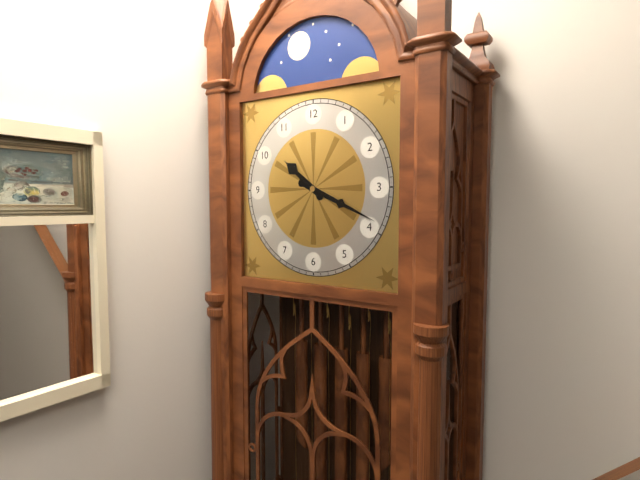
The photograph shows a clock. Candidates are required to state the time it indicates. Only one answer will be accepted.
10:19
